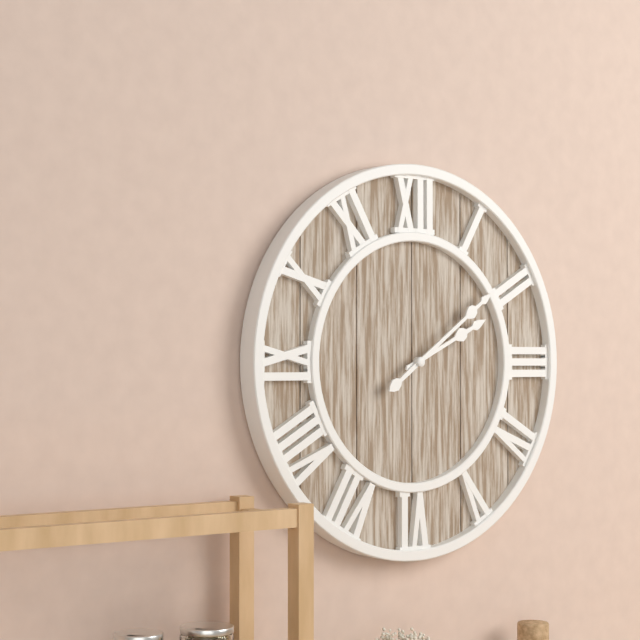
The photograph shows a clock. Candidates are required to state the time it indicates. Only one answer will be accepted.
2:09
